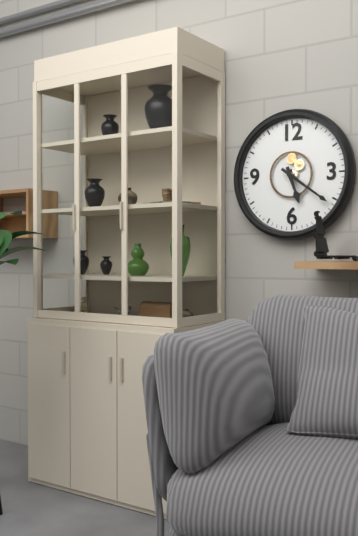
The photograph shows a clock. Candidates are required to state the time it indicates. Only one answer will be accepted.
5:21
